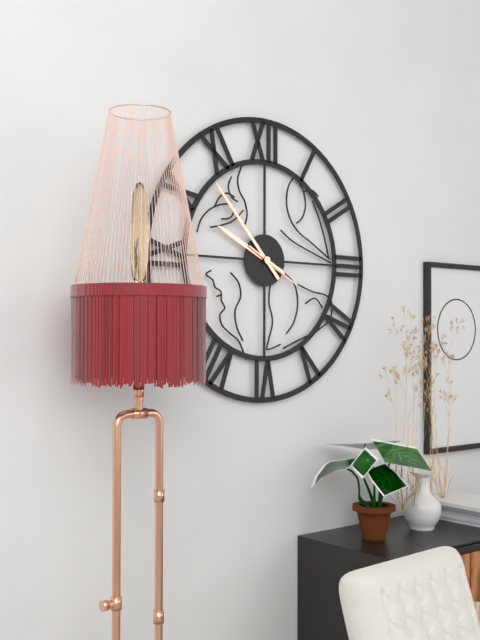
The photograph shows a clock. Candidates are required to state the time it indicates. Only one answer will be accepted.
9:53:20
